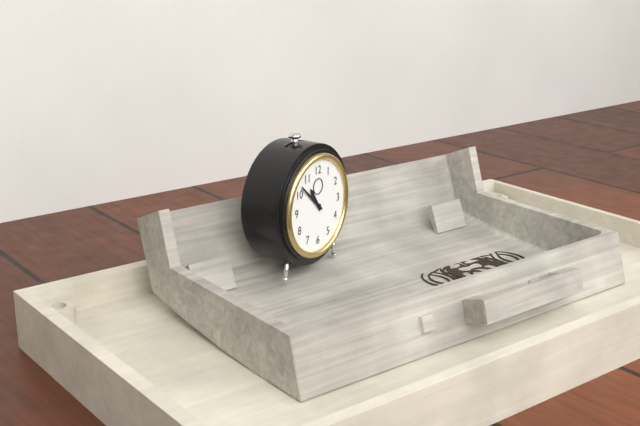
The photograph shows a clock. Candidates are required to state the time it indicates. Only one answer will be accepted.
10:52
